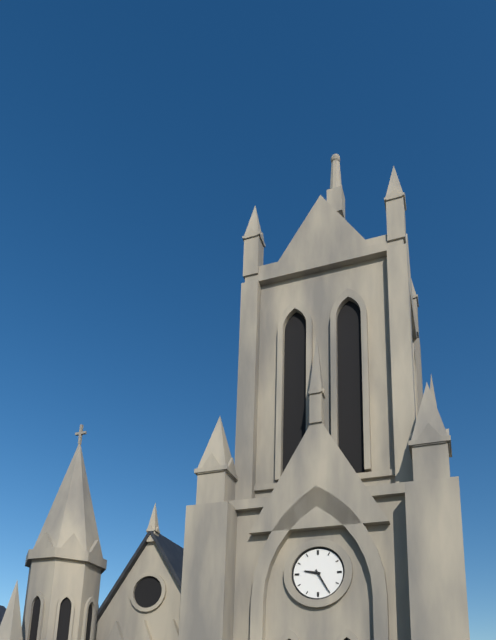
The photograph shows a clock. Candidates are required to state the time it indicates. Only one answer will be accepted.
9:25
